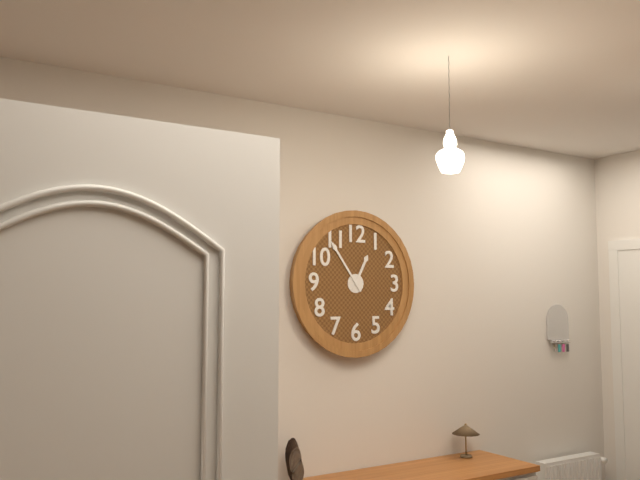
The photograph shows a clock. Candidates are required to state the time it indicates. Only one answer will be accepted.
12:54
